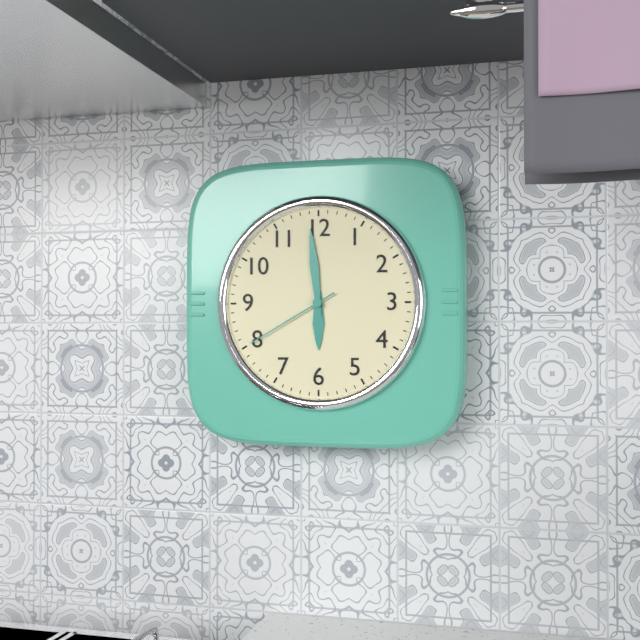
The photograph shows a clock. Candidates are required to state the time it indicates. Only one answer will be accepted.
5:59:40
